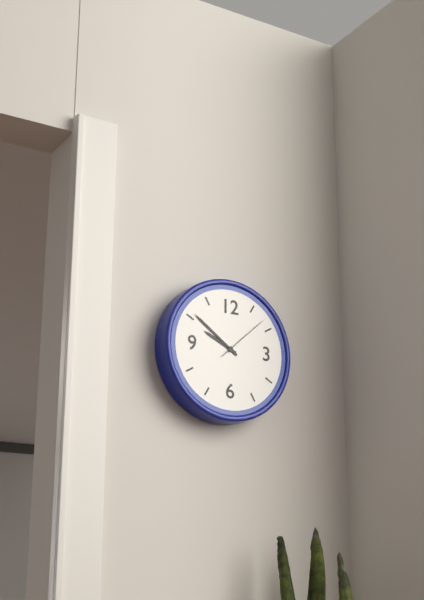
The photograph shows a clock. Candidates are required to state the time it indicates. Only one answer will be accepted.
9:51:08
